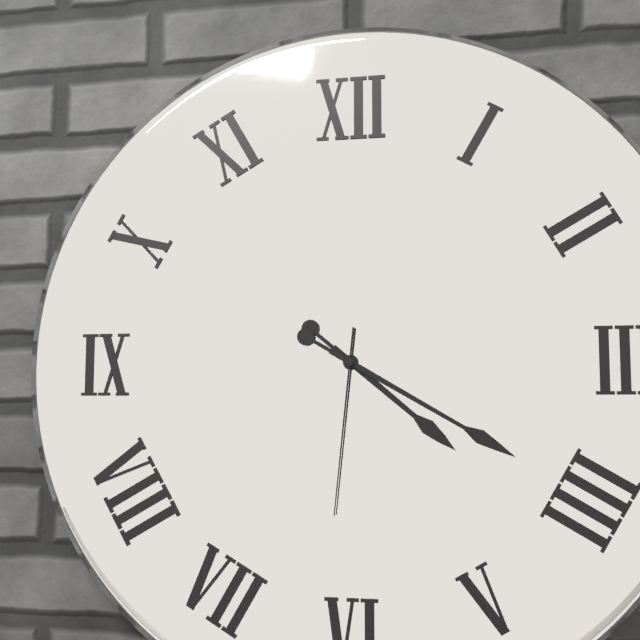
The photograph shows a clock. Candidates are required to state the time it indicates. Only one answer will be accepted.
4:20:31
